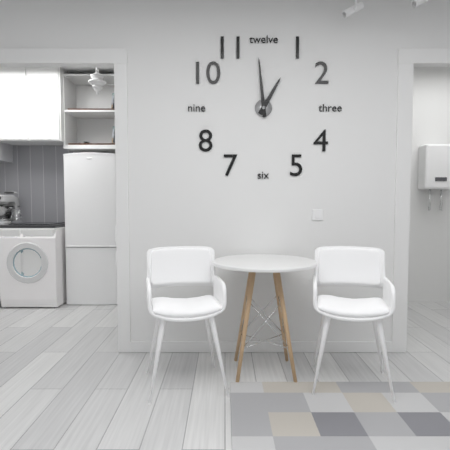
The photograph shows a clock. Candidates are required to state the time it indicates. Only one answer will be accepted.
12:59
